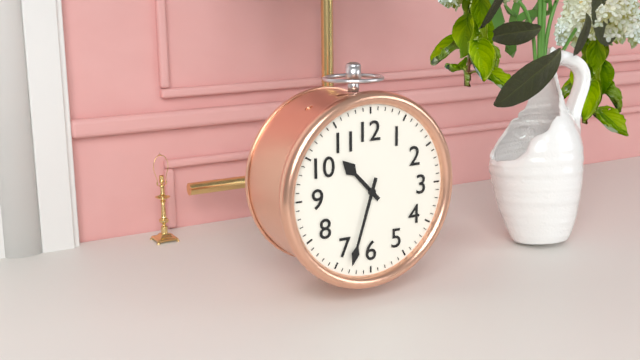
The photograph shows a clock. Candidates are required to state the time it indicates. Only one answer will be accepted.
10:33
